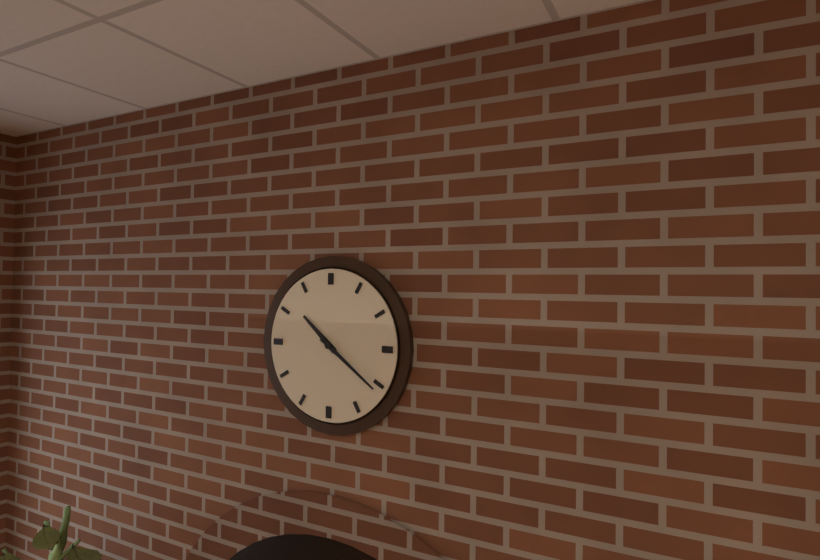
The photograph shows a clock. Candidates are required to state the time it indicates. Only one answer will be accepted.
10:21
